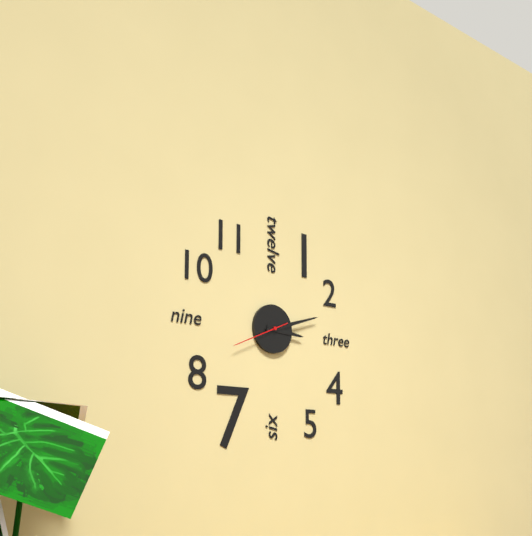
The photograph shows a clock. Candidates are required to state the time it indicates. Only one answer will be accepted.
3:12:41
